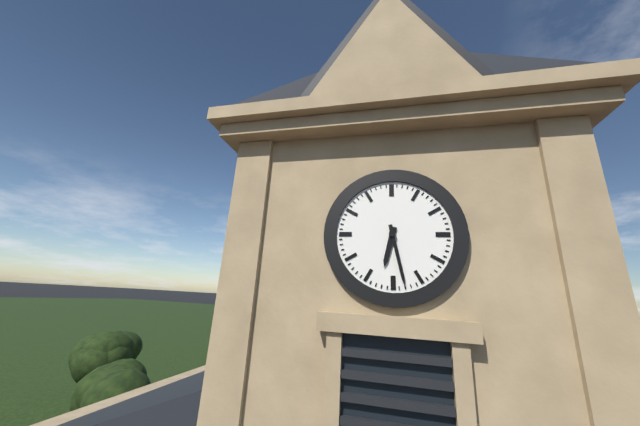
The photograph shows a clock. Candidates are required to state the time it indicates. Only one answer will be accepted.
6:28
